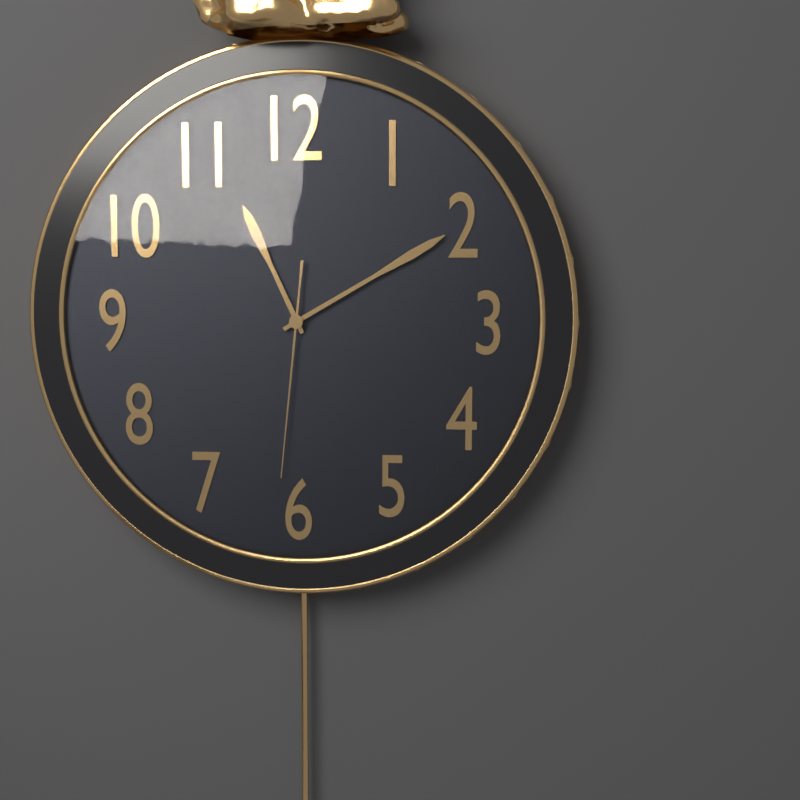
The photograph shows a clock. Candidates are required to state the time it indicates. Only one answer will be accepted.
11:10:31
